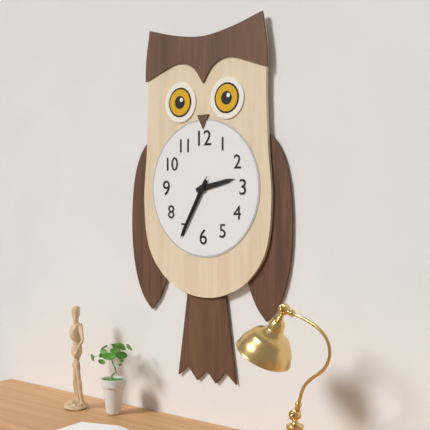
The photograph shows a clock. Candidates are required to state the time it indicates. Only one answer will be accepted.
2:35:35
